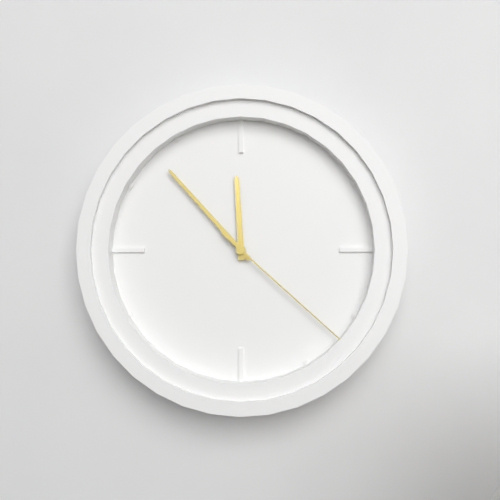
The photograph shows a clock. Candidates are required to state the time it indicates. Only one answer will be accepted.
11:53:22
